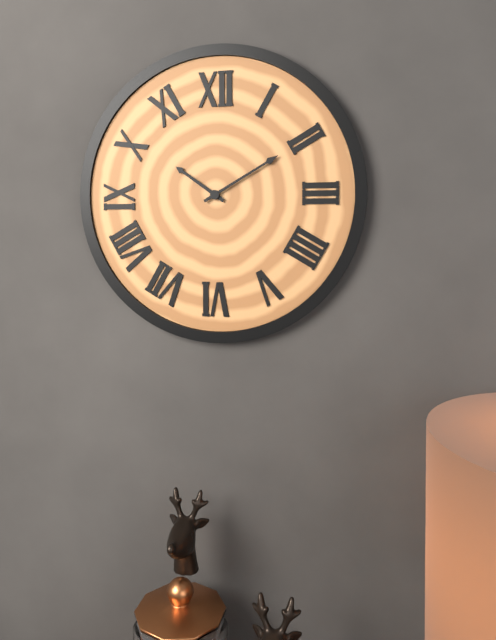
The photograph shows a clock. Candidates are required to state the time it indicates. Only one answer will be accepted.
10:10
